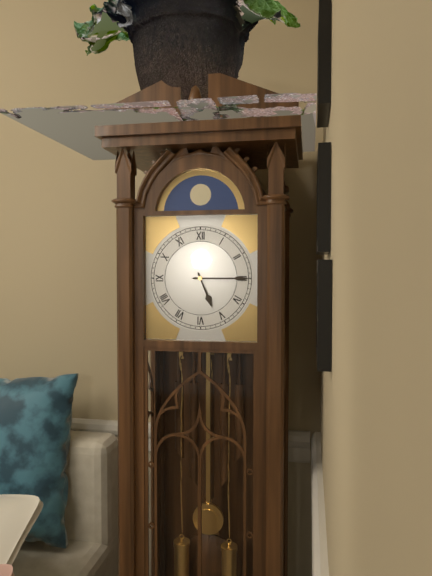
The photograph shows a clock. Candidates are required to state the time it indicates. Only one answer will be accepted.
5:15
